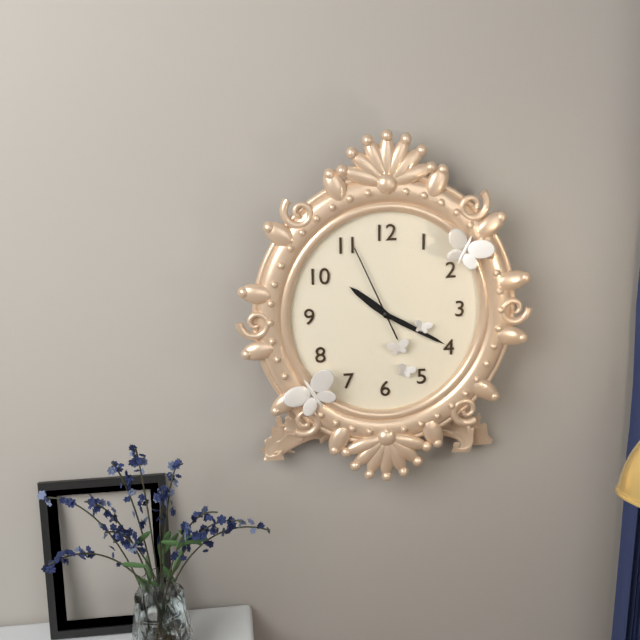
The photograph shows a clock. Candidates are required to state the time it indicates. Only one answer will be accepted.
10:20:56
